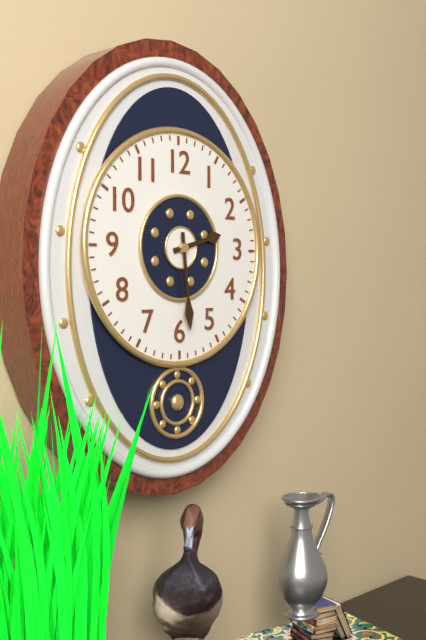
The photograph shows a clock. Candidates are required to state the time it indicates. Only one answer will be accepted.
2:29
